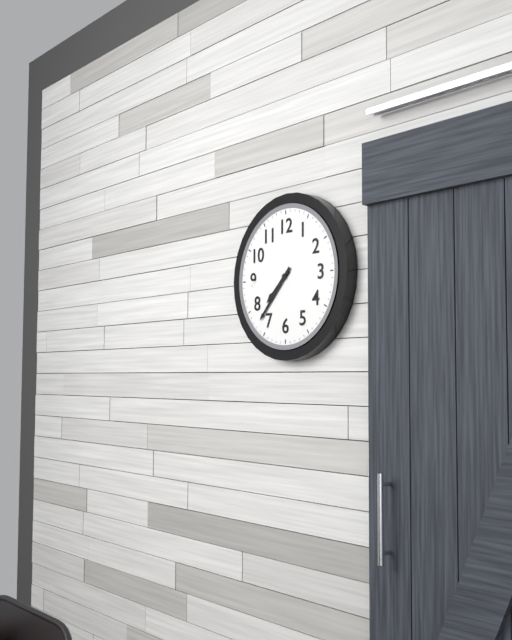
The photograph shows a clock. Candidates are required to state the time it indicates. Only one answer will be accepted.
7:37
